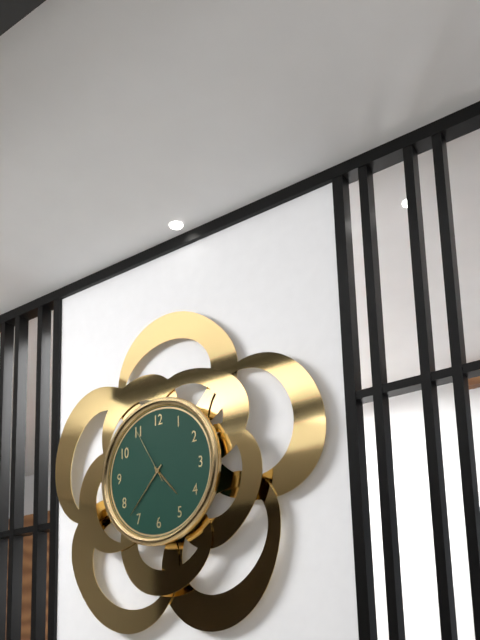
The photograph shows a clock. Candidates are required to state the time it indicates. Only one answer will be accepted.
4:37:55
